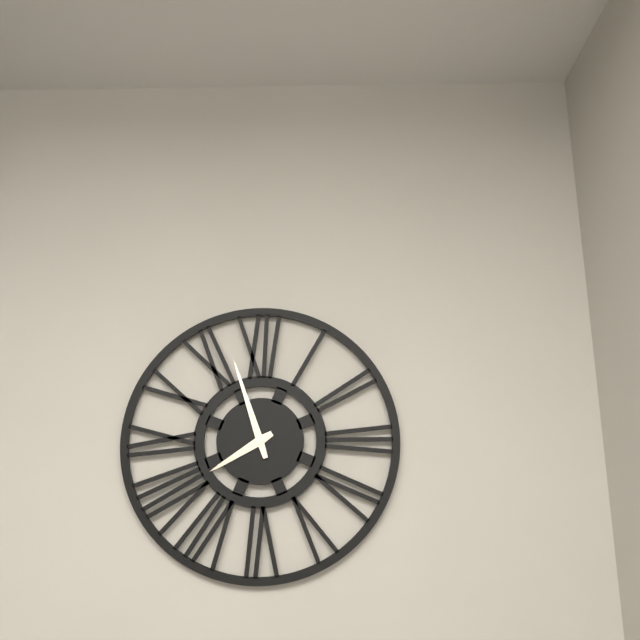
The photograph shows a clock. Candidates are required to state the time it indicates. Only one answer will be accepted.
7:57
